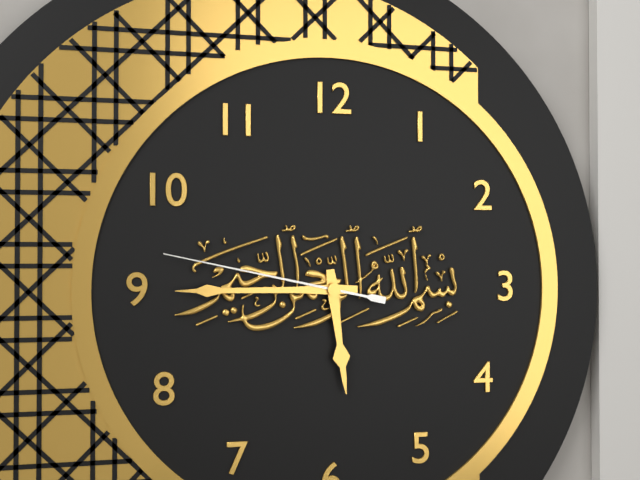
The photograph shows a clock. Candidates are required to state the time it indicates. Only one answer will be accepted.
5:45:47
